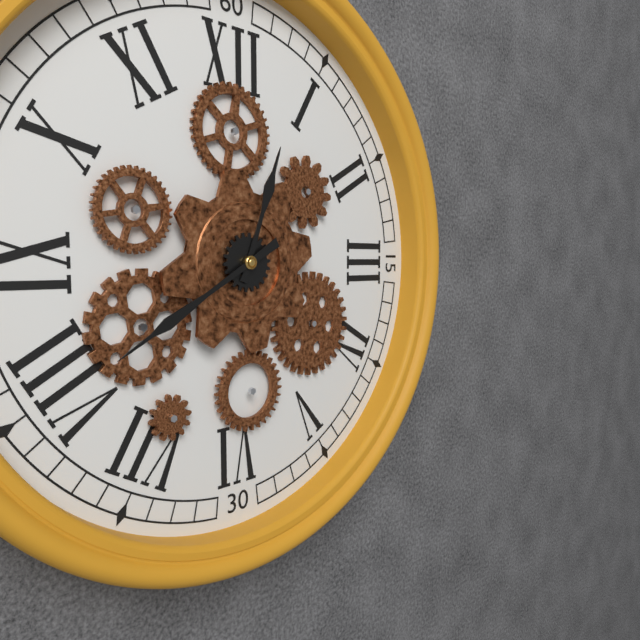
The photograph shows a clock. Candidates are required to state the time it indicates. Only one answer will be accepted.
12:40
